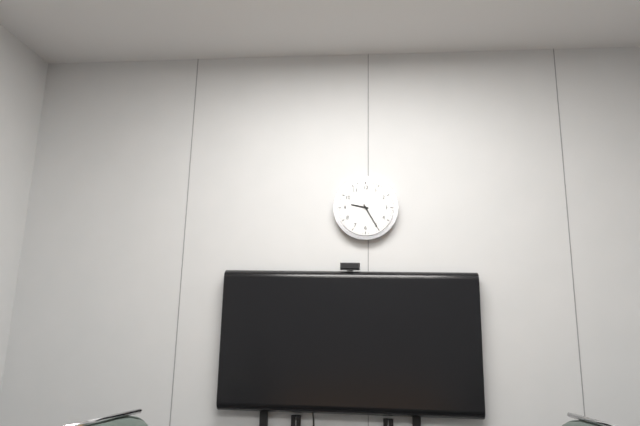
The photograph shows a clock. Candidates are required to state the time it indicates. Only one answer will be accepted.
9:25
